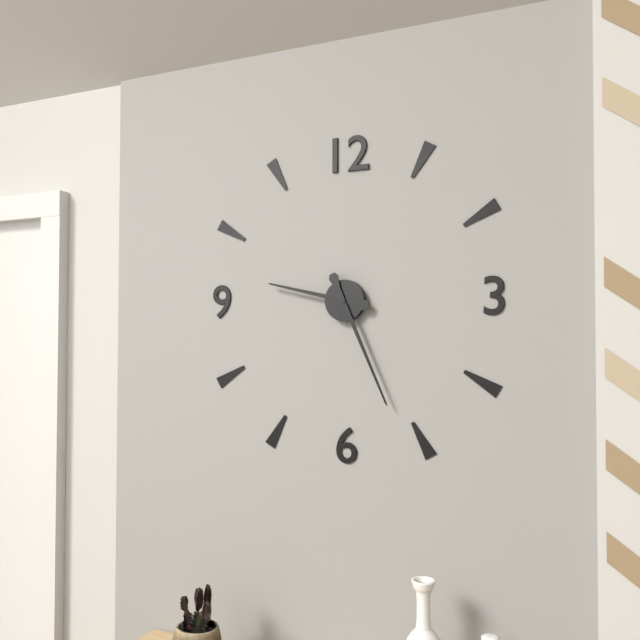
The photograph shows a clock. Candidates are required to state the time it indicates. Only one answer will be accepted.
9:26
